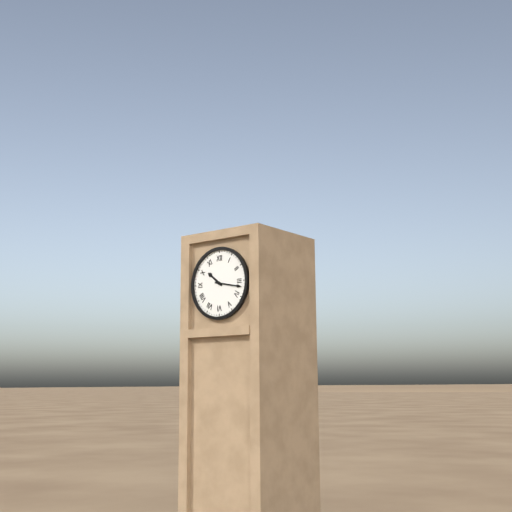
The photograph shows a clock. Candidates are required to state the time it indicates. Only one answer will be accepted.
10:17
